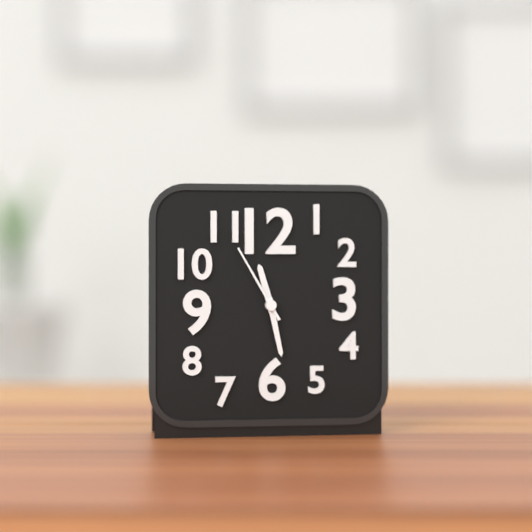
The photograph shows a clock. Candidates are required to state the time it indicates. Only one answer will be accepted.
11:28:55
